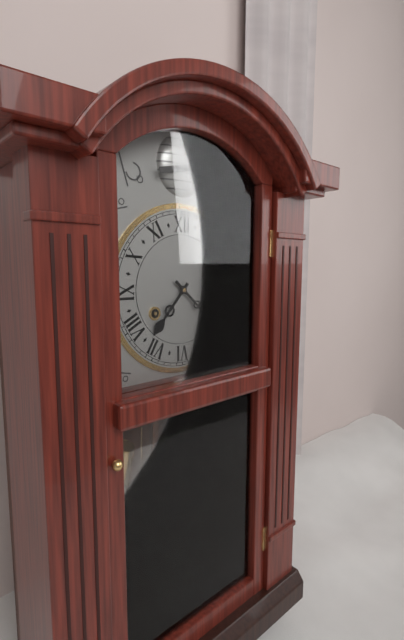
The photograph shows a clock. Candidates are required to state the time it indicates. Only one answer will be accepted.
7:22
